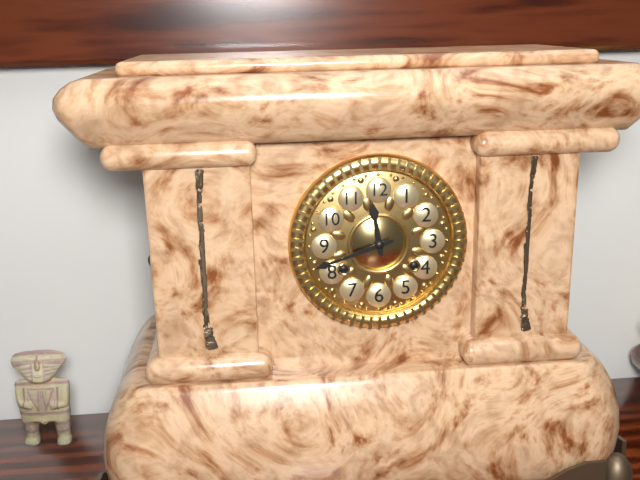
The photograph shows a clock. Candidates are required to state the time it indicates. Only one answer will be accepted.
11:42
